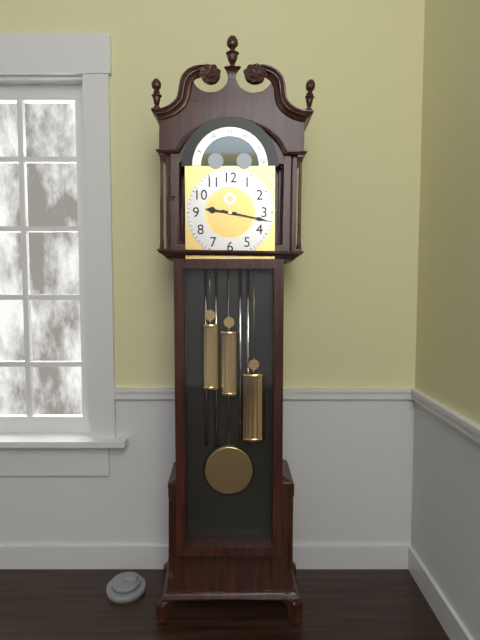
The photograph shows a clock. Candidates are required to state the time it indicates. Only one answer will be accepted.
9:17
